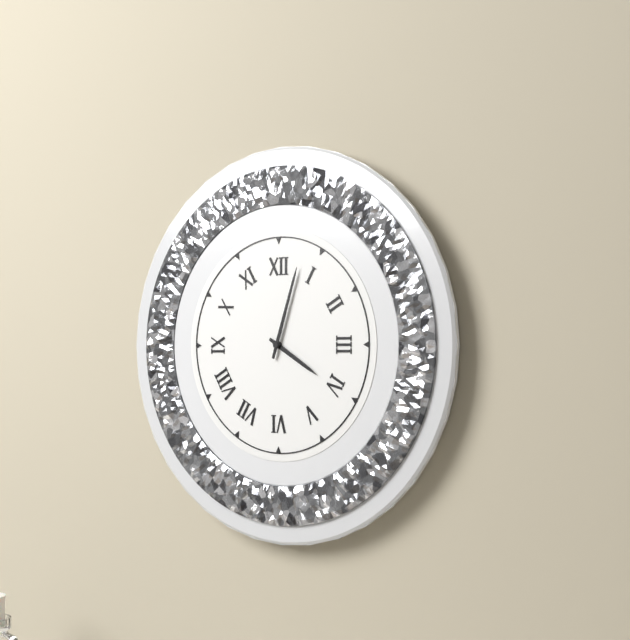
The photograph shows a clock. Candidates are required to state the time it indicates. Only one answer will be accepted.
4:03
